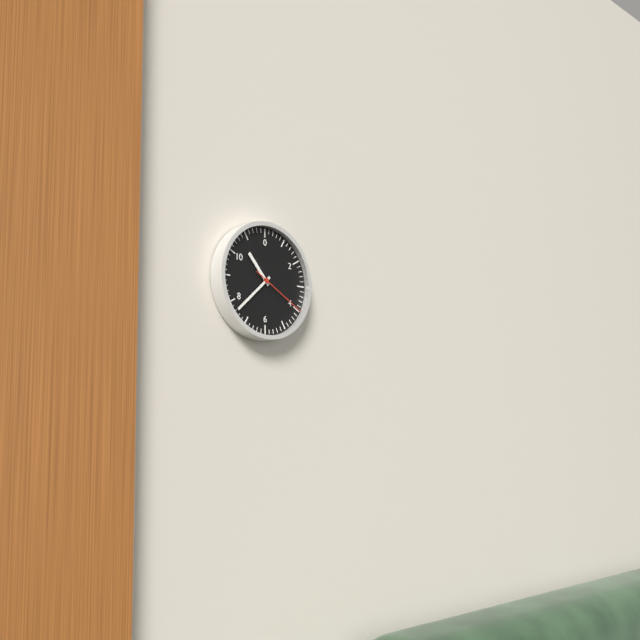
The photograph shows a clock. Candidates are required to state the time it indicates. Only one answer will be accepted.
10:38:20
